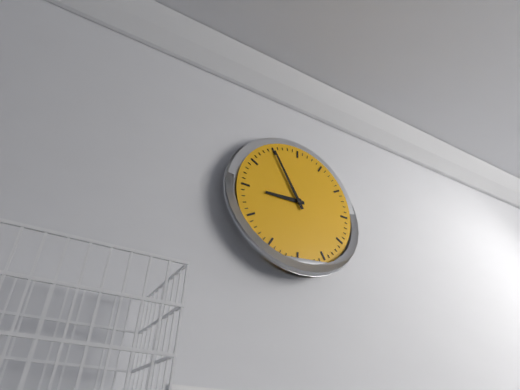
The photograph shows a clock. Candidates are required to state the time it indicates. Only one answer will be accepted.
8:55
